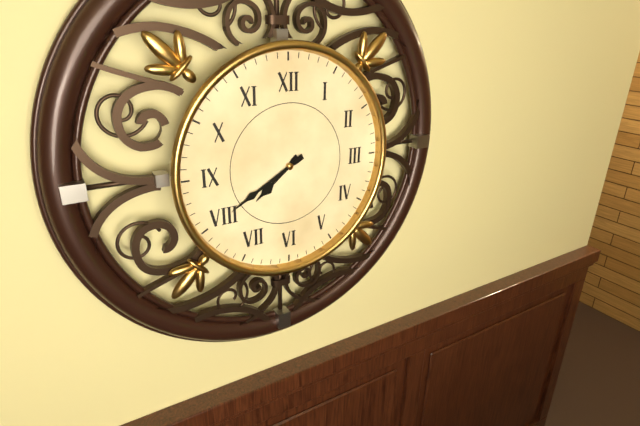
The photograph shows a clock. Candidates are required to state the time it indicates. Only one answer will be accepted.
7:40
